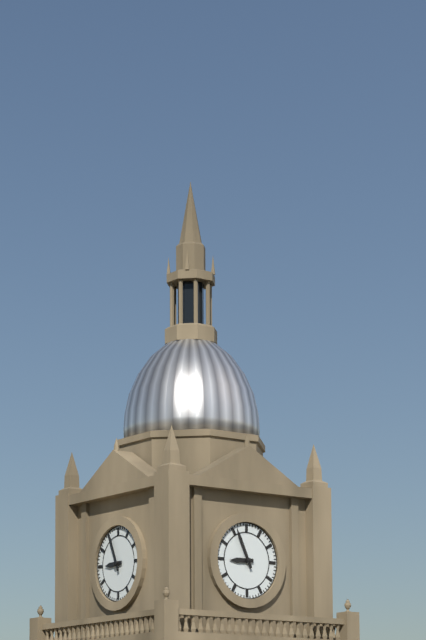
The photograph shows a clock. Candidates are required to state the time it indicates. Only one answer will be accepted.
8:56
